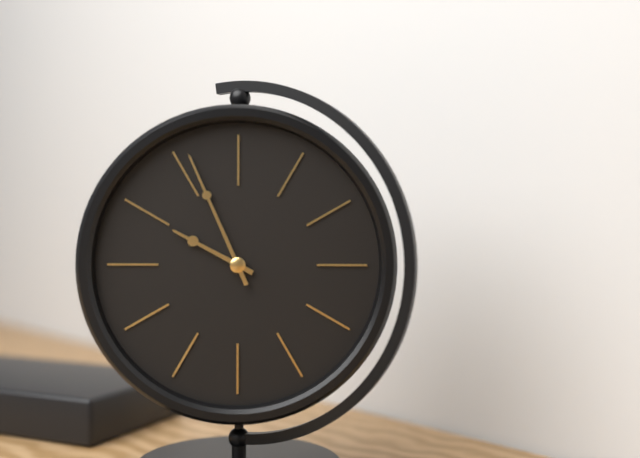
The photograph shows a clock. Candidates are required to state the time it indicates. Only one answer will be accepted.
9:56
